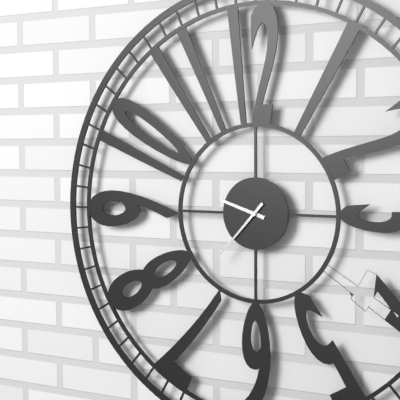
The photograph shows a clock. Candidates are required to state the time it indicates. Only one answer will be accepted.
9:37
